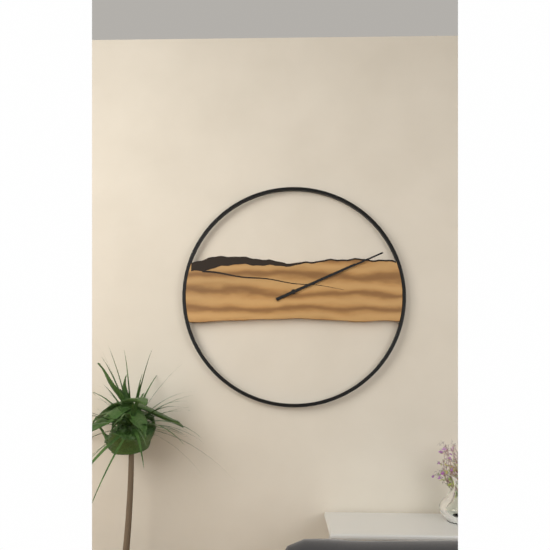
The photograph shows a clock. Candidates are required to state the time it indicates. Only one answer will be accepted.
2:11
